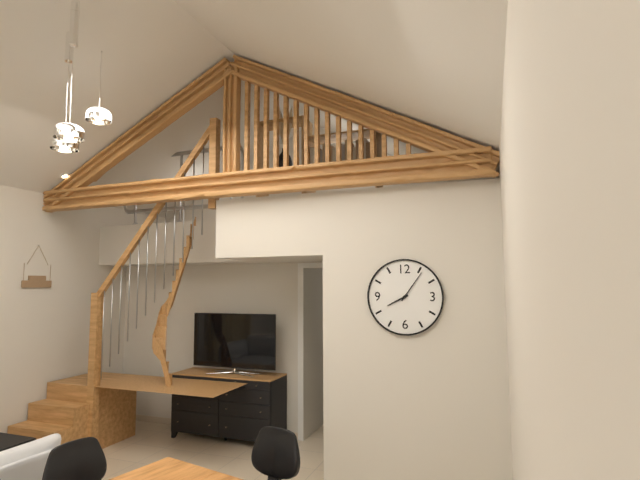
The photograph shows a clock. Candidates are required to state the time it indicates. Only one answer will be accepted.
8:06
